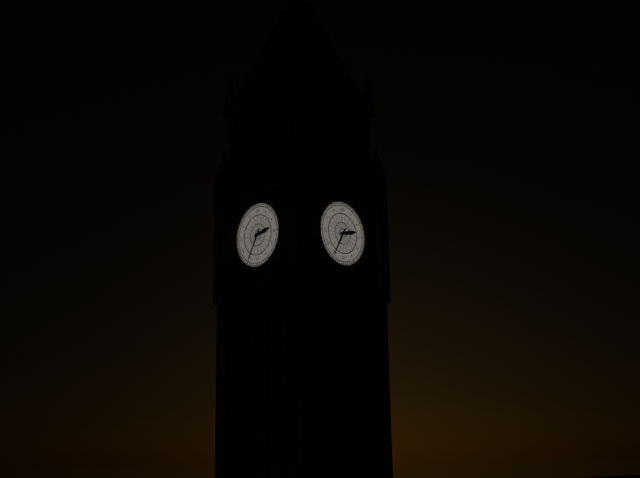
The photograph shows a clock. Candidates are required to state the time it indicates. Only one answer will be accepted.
2:35
